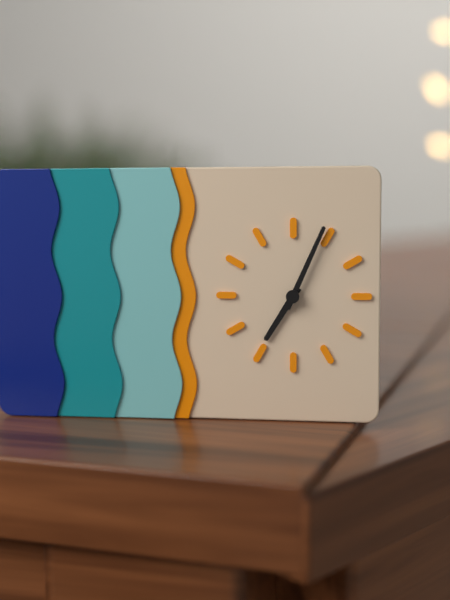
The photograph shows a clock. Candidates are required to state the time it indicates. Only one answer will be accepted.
7:04
